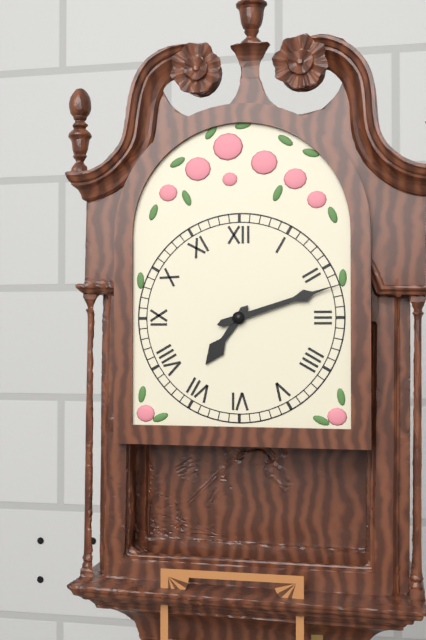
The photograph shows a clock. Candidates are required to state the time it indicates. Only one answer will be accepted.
7:12
